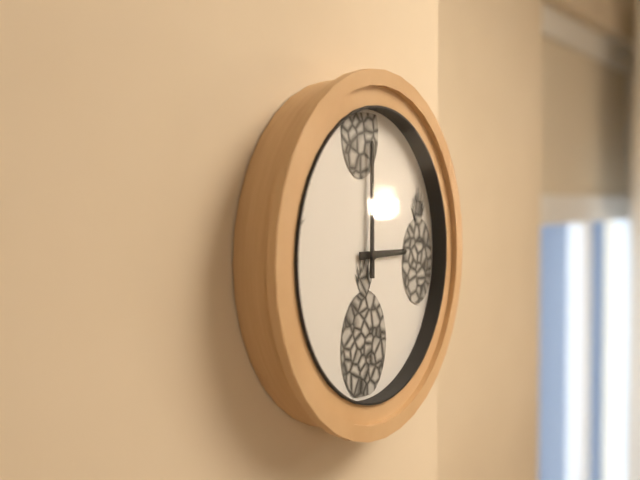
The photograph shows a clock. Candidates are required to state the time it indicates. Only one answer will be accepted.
3:00
